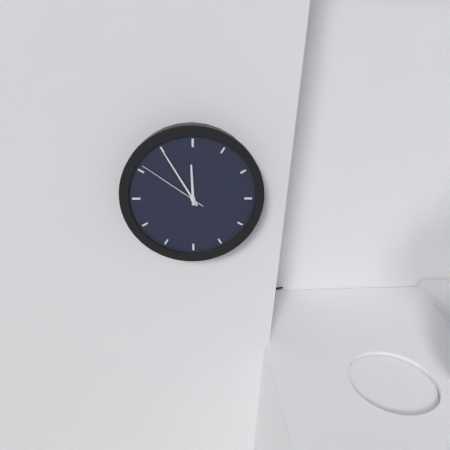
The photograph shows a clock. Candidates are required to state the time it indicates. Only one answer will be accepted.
11:55:51
